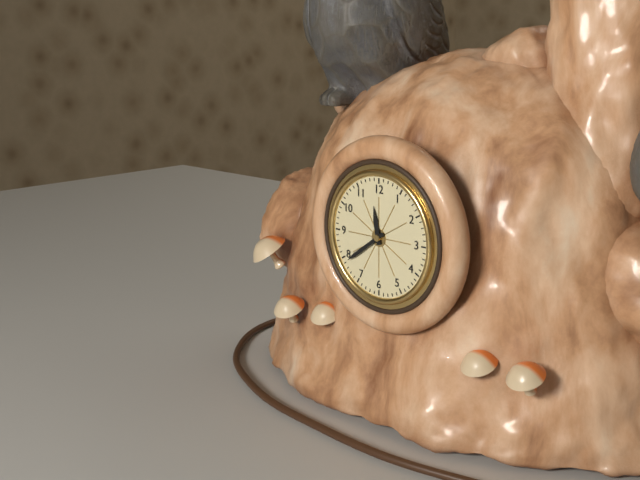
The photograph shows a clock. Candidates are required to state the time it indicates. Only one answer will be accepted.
11:39
